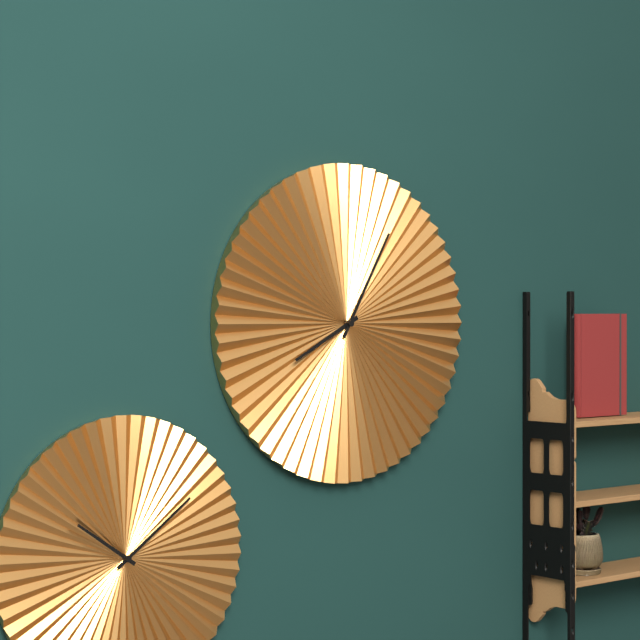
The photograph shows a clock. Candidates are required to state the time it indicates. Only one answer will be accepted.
8:05
